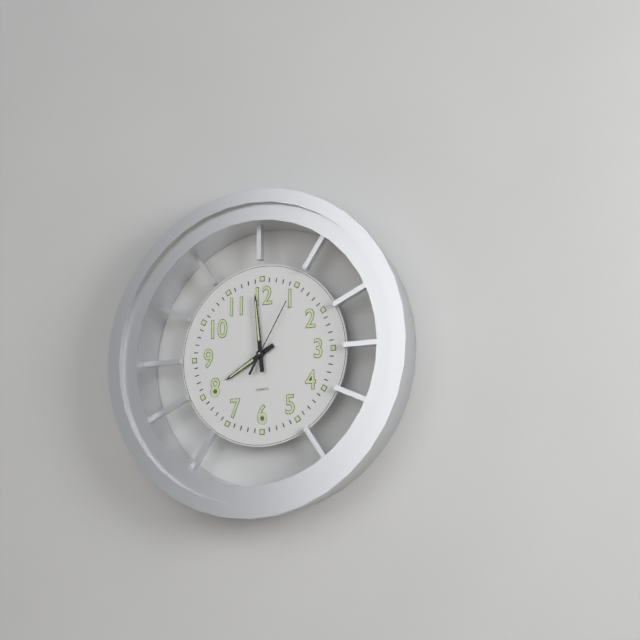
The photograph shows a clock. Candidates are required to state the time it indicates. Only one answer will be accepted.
7:59:05
